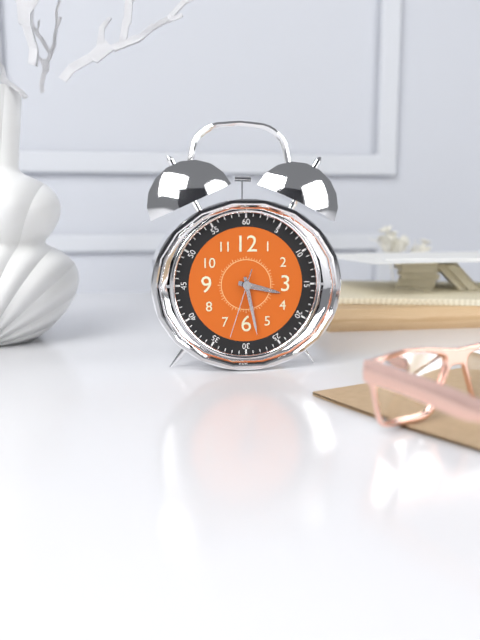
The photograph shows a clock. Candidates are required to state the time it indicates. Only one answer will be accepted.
3:28:33
